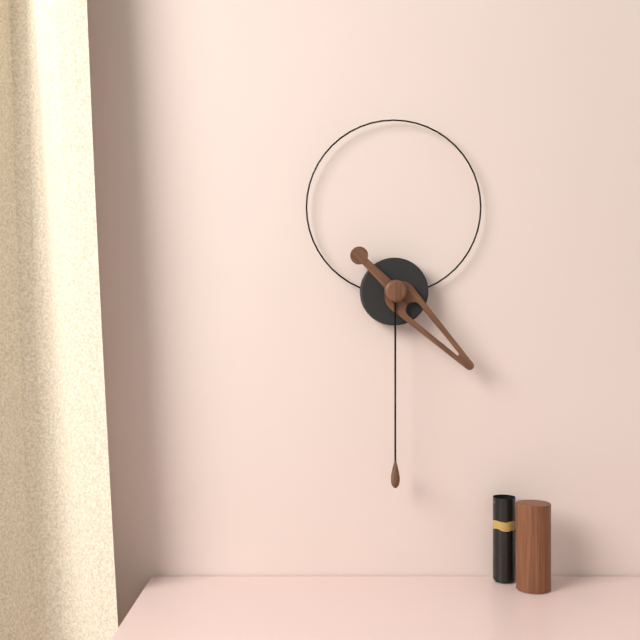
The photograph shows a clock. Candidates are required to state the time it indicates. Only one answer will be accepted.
4:30
